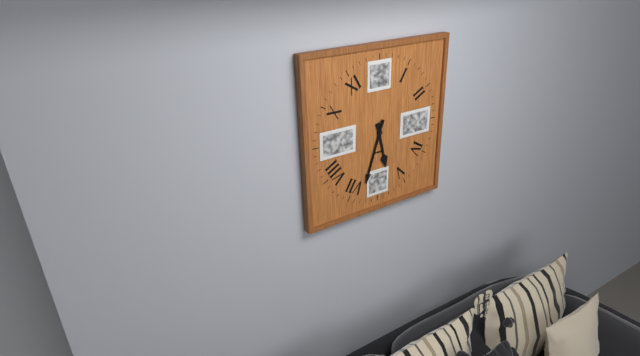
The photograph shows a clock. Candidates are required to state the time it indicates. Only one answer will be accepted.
5:33
